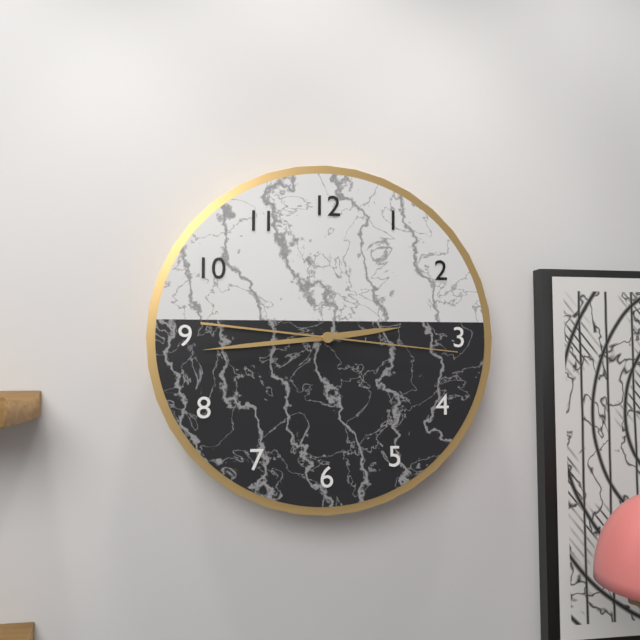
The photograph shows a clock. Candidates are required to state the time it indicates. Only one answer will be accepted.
2:44:16
